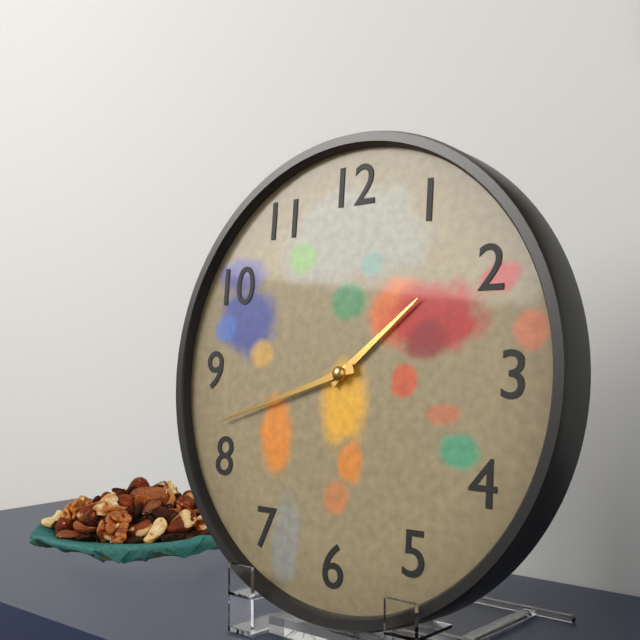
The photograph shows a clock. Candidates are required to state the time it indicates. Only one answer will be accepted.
1:42
